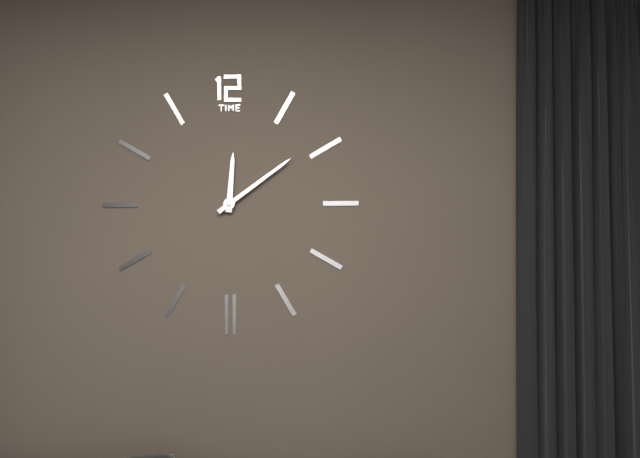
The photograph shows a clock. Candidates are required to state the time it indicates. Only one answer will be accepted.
12:09
